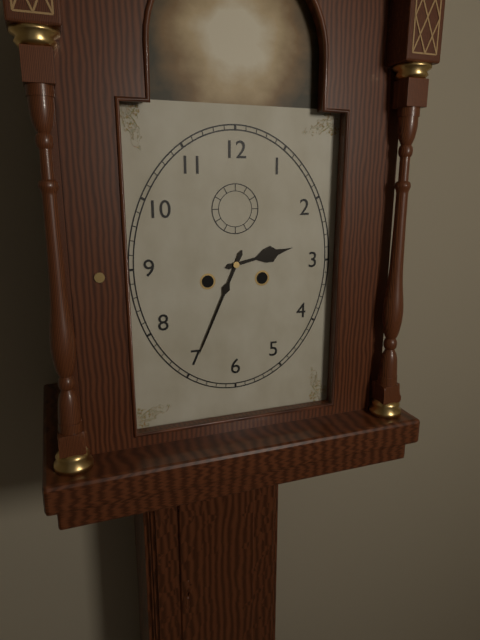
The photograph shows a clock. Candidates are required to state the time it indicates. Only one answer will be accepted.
2:34
